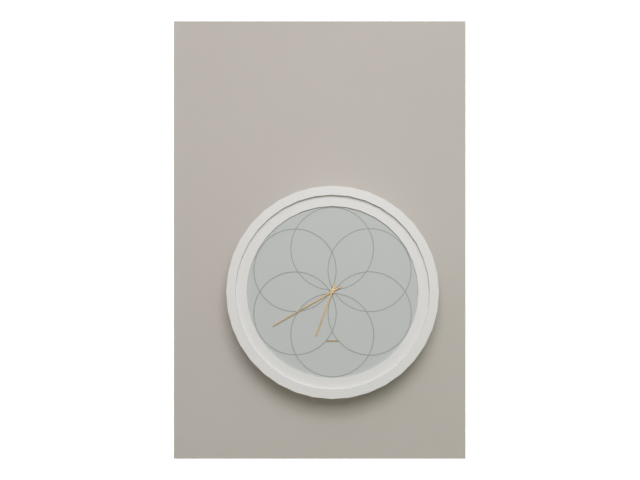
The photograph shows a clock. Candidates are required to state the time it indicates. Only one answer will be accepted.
6:40
